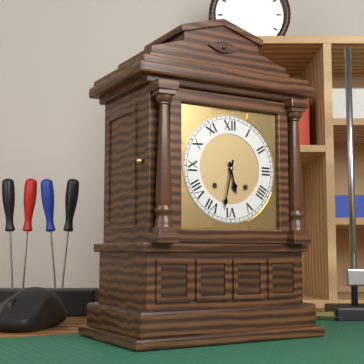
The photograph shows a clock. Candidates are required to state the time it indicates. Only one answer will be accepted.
5:32
